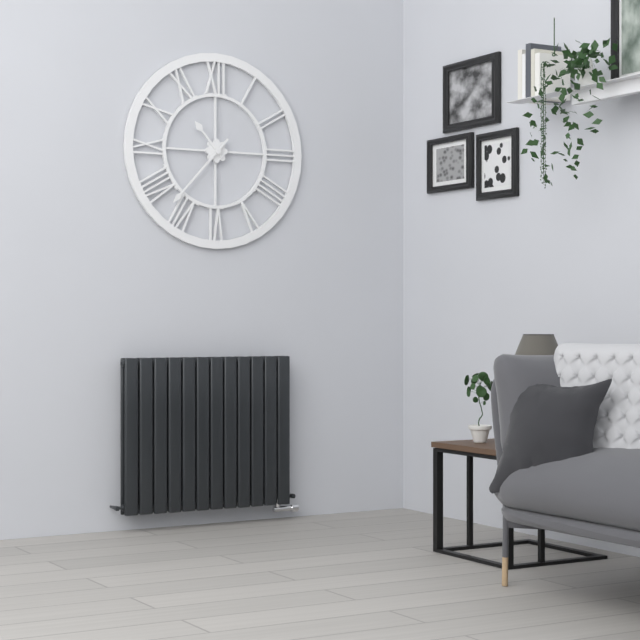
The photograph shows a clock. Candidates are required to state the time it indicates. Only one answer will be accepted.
10:37
